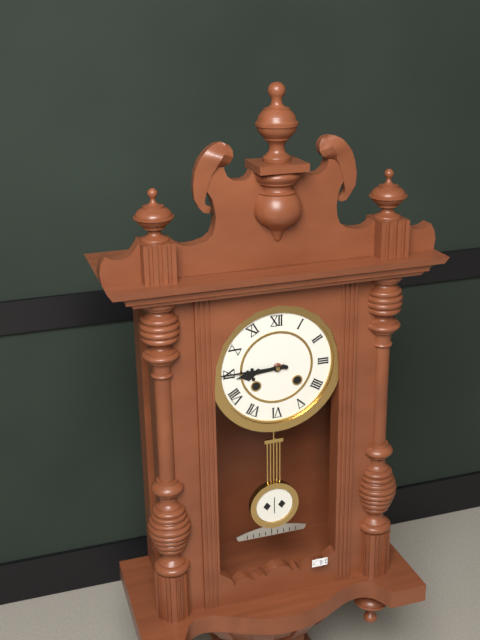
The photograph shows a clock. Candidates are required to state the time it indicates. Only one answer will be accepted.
8:45
